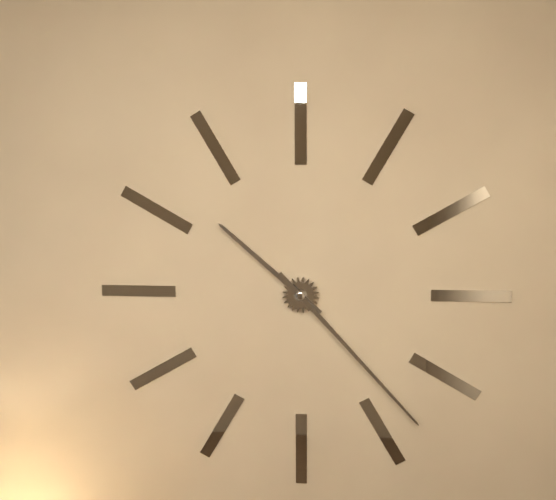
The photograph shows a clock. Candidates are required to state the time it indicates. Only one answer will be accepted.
10:23
